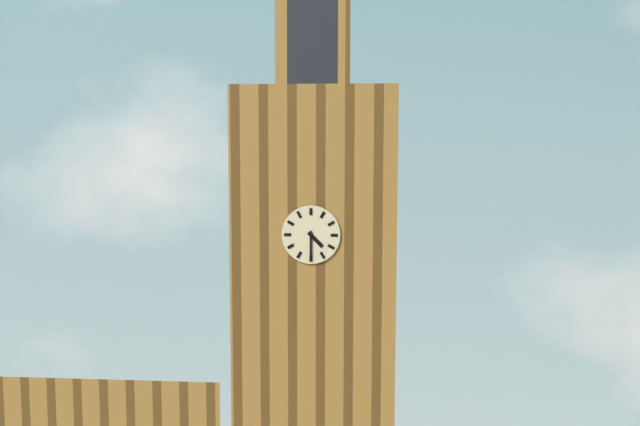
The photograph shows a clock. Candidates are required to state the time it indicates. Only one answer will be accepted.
4:30
